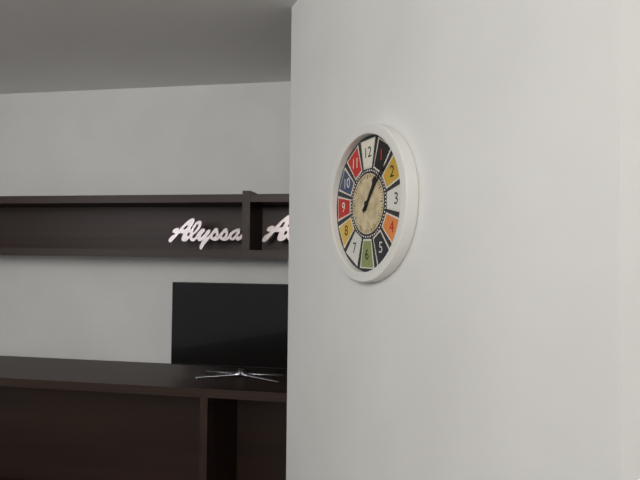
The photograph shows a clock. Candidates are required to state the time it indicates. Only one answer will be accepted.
1:07
